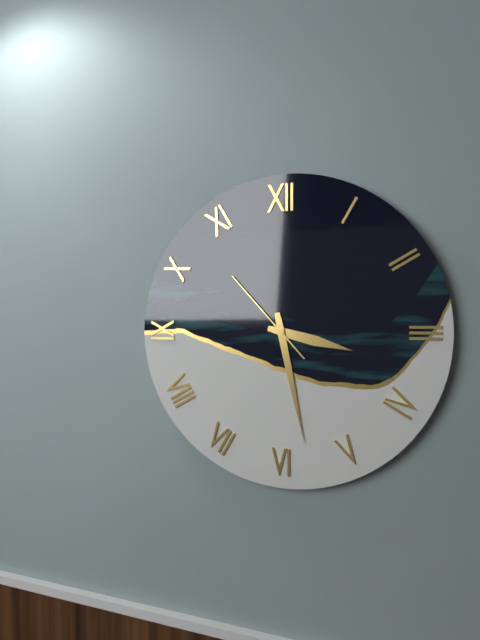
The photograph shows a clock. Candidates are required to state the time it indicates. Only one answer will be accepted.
3:28:53
